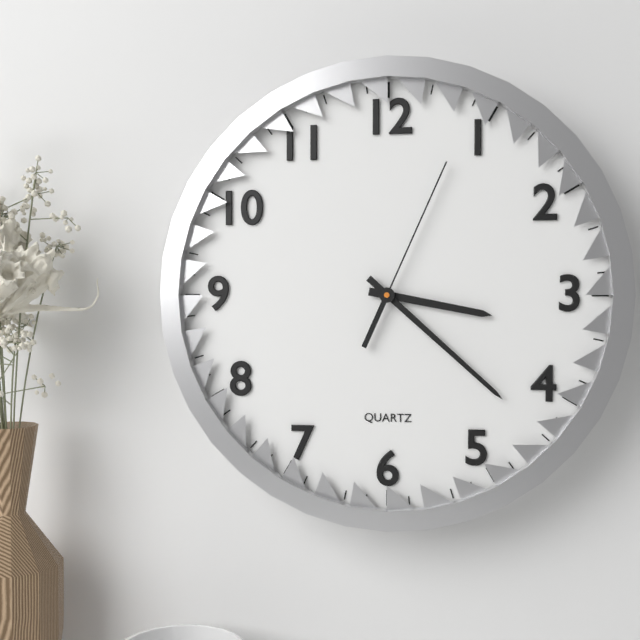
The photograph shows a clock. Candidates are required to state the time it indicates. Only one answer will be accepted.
3:22:04
